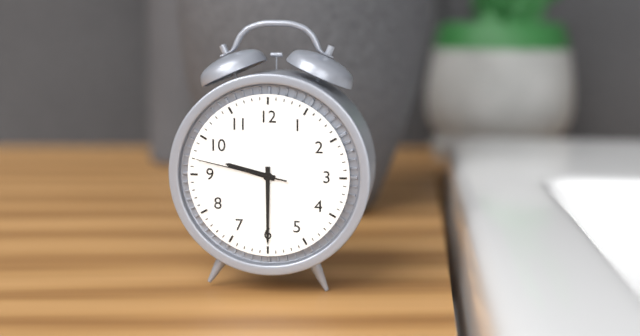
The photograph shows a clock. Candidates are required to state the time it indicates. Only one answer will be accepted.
9:30:47
